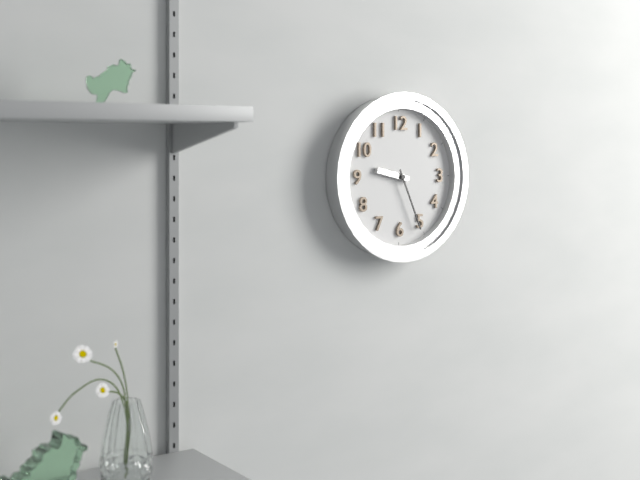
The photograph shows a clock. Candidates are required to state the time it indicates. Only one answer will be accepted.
9:26
